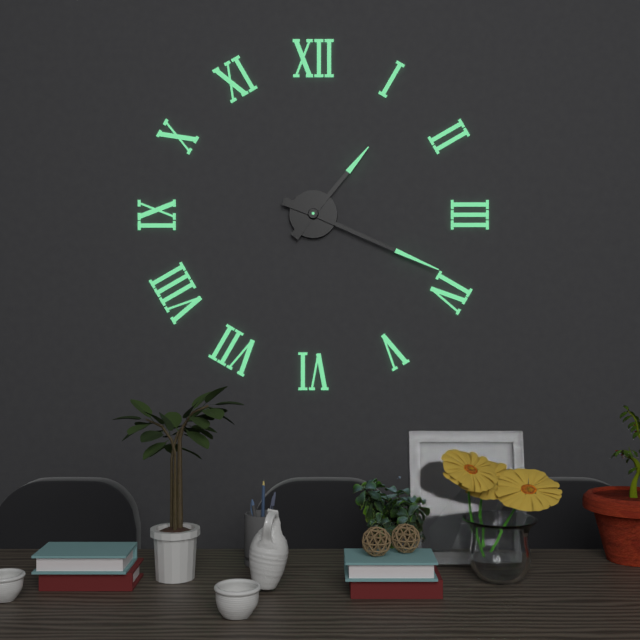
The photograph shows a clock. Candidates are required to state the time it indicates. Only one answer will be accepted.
1:19
